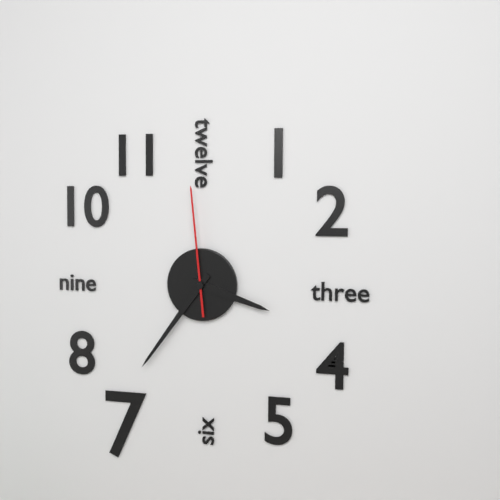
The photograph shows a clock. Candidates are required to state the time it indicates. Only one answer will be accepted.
3:36:59
